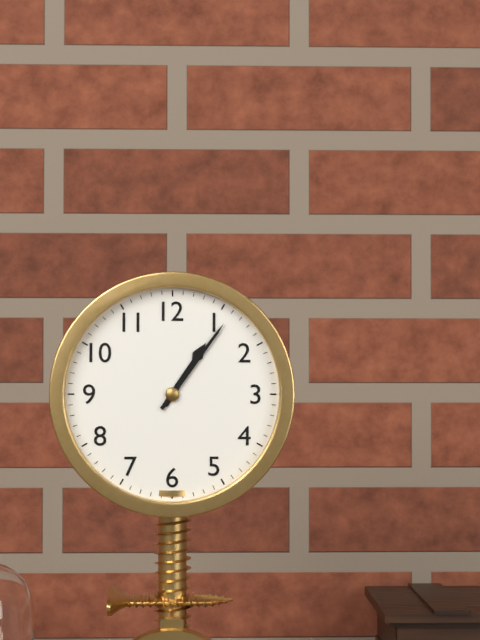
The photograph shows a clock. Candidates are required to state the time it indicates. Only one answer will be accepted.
1:06
